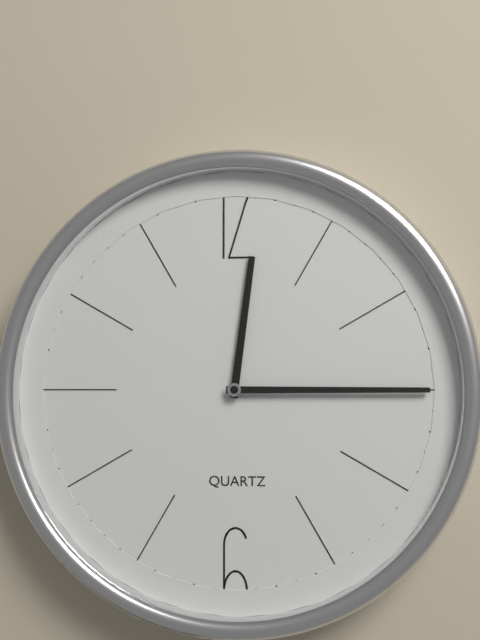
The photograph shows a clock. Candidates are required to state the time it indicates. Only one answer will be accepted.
12:15
